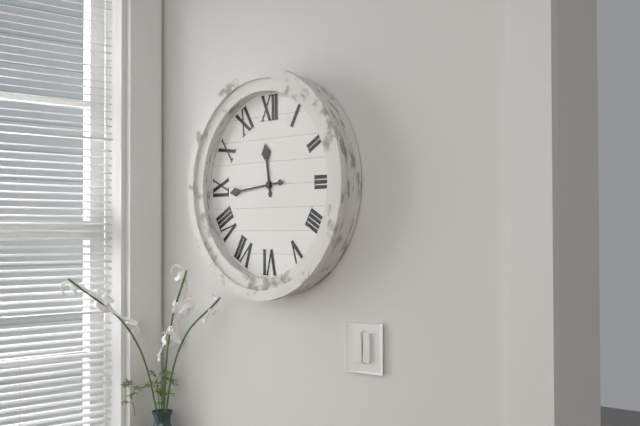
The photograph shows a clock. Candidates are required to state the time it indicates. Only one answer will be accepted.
11:44
